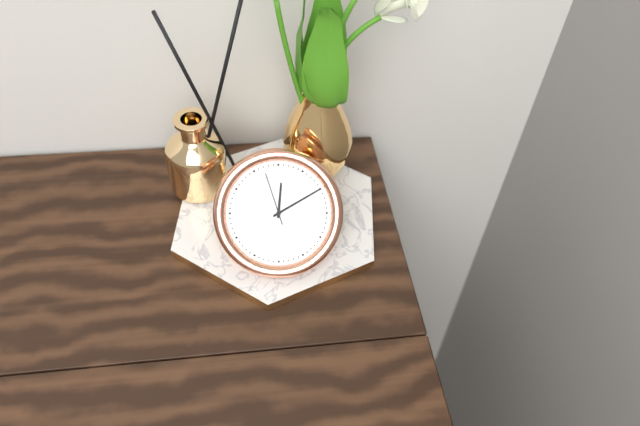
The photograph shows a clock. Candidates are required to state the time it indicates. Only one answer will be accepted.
12:10:57
